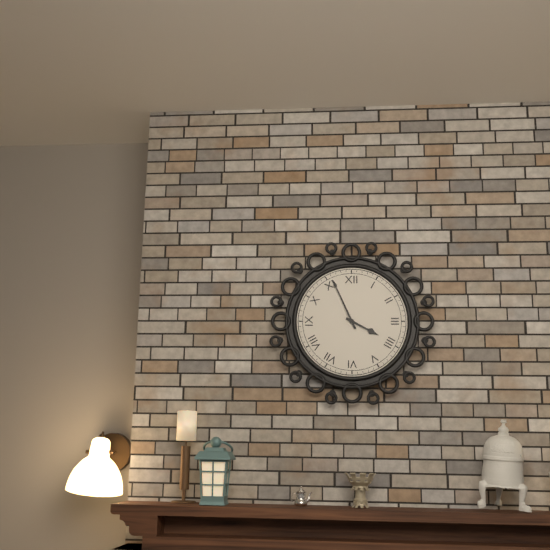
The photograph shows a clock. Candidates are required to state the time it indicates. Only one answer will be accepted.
3:56
